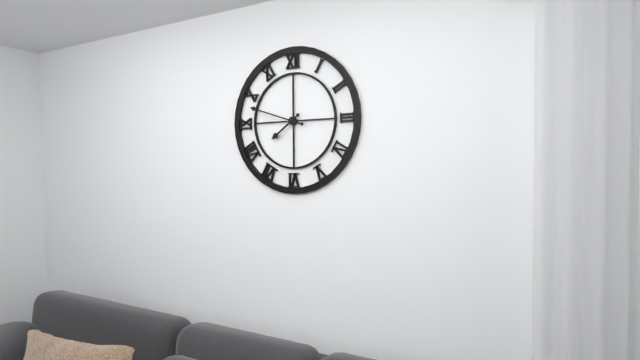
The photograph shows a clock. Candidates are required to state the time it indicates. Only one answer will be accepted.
7:48
